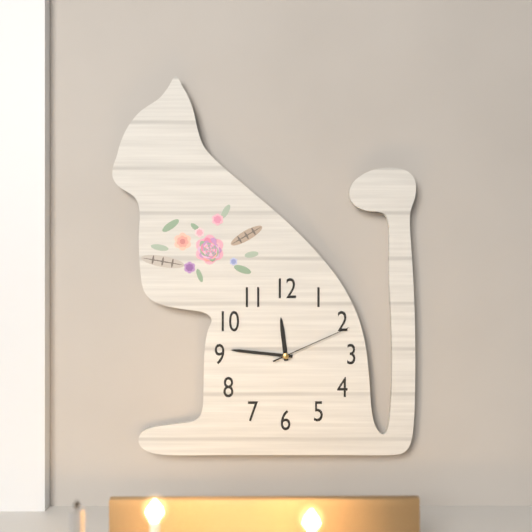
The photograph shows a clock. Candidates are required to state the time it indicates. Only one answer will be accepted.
11:46:11
